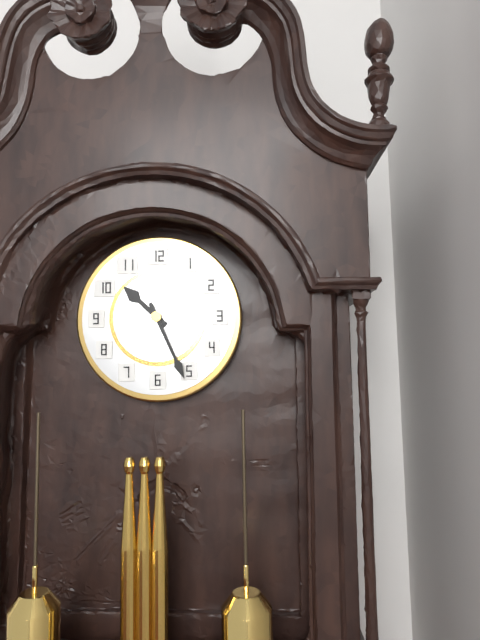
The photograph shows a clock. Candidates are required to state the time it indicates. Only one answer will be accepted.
10:26
